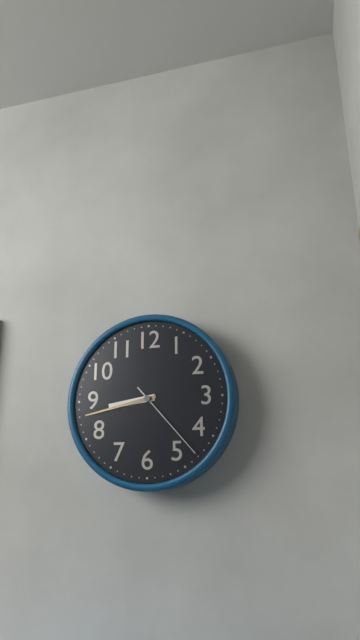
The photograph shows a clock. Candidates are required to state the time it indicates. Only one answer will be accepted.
8:43:23
